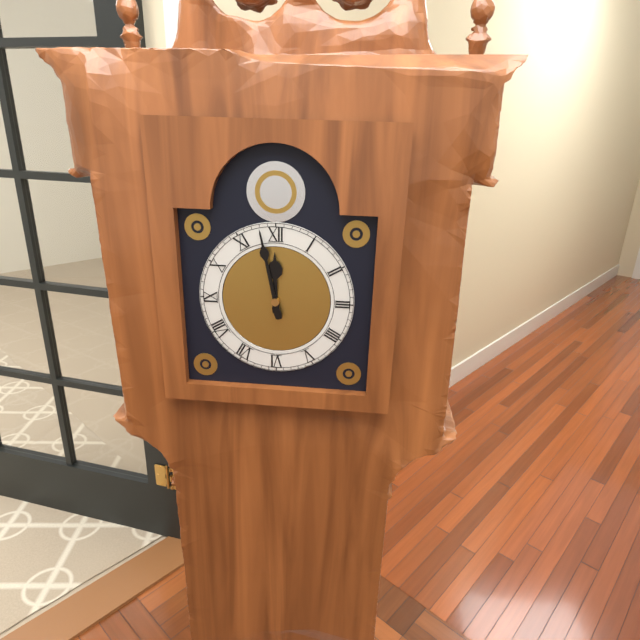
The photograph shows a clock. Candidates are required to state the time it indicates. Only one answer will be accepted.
11:58
